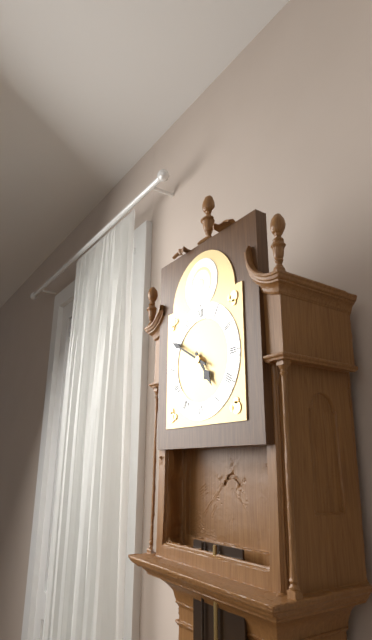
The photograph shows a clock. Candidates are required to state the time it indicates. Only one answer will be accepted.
4:50
